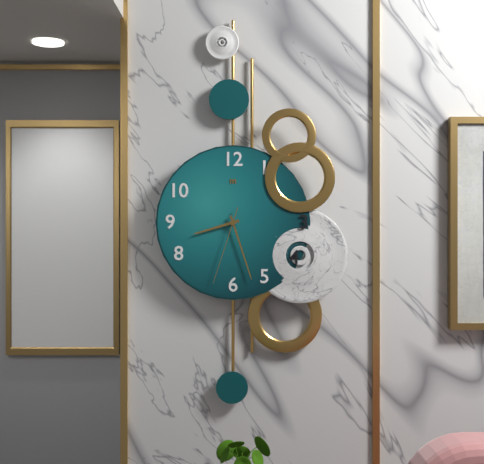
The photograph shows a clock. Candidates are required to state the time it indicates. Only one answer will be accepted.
8:27:33
